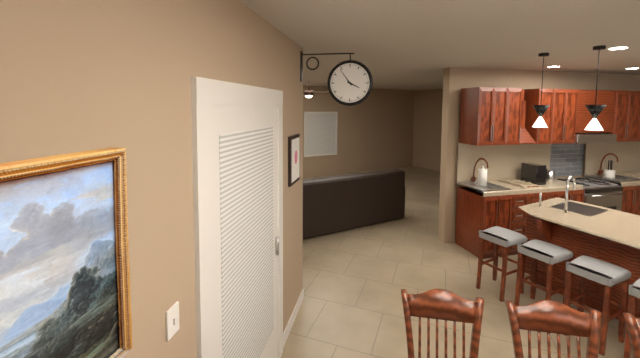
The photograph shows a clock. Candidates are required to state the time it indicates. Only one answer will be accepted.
3:54
